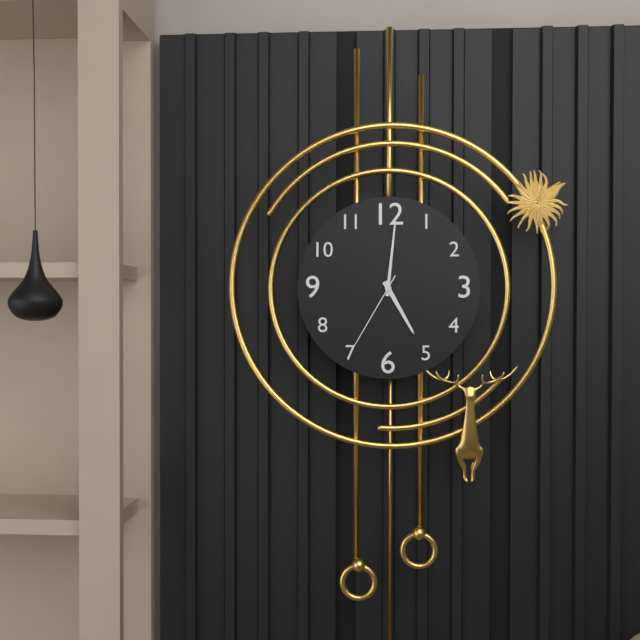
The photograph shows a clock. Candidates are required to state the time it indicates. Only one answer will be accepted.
5:01:35
